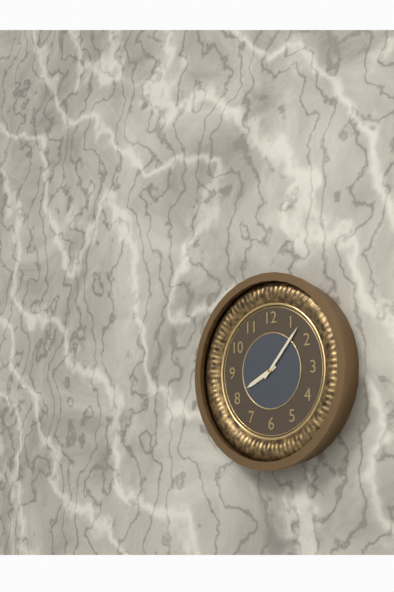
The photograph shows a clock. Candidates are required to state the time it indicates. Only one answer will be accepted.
8:07
